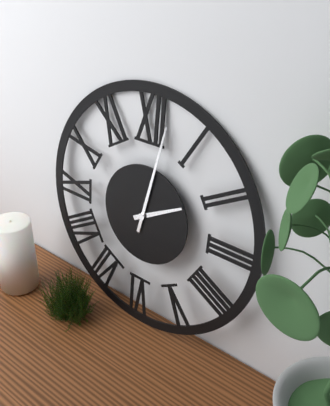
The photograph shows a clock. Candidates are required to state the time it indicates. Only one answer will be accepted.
2:02
